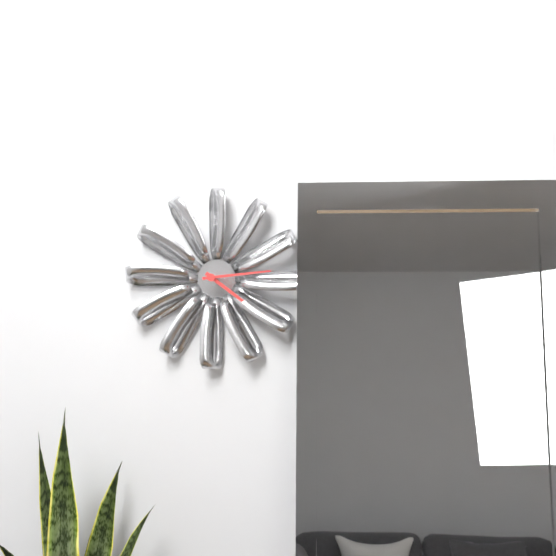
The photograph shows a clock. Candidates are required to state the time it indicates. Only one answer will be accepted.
4:14
